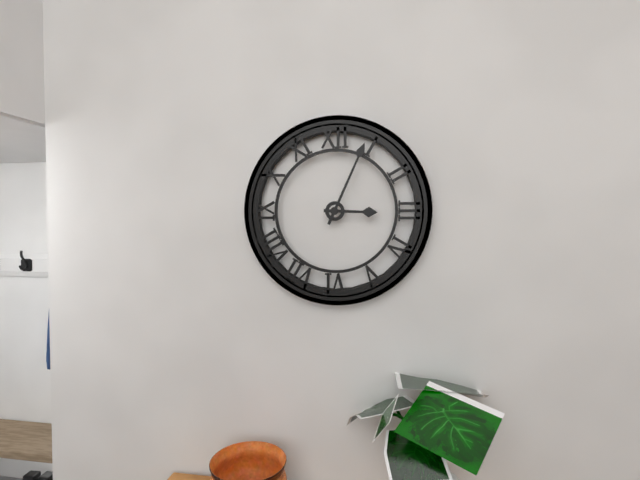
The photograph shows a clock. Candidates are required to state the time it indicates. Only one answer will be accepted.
3:04
